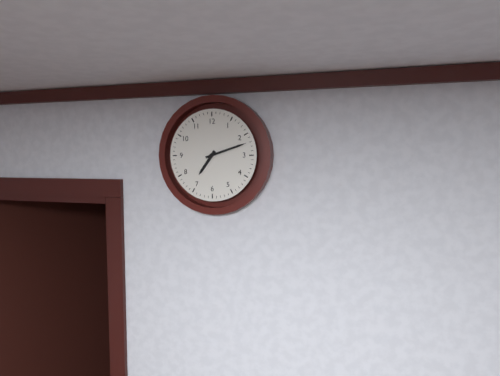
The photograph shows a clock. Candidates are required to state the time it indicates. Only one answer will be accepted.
7:12
